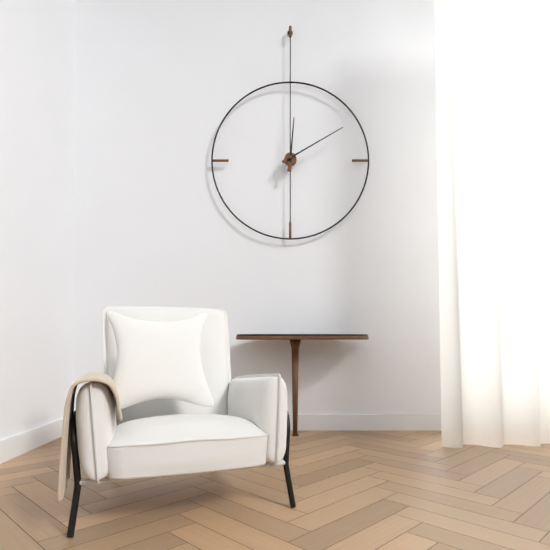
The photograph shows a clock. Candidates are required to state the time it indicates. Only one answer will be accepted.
12:10
